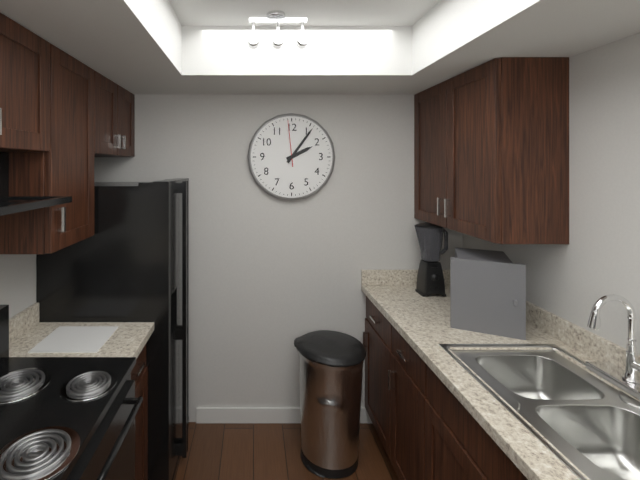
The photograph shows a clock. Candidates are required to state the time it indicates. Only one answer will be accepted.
2:06
